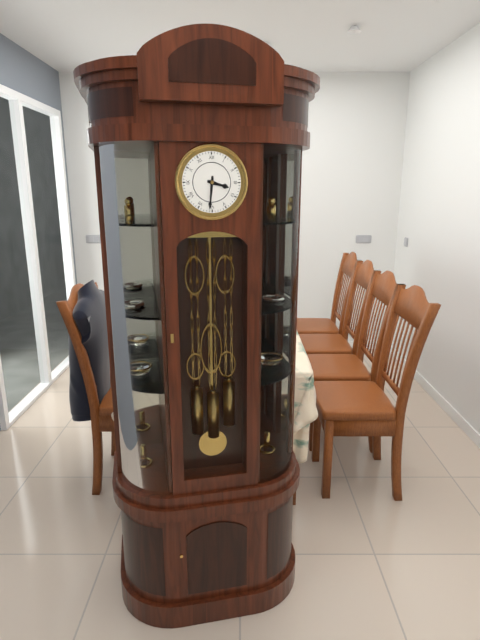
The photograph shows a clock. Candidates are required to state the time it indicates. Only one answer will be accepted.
3:31
